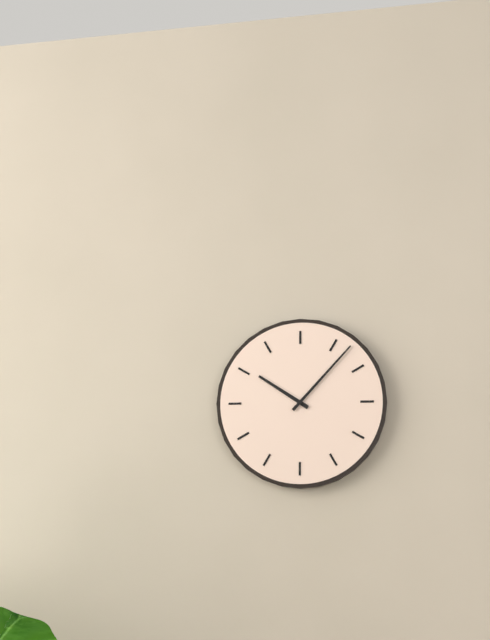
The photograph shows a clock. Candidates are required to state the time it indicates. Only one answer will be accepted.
10:07
